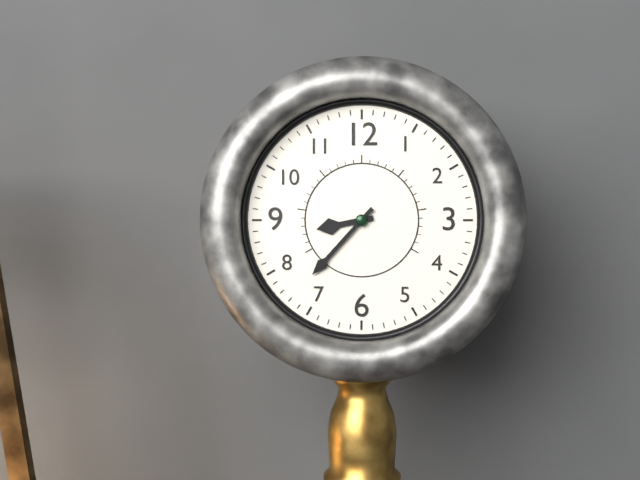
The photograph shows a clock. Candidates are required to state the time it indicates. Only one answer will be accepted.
8:37
